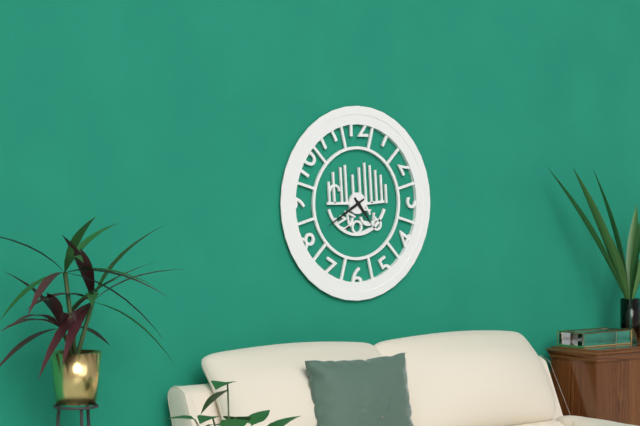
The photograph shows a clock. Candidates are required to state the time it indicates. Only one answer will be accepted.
4:40
